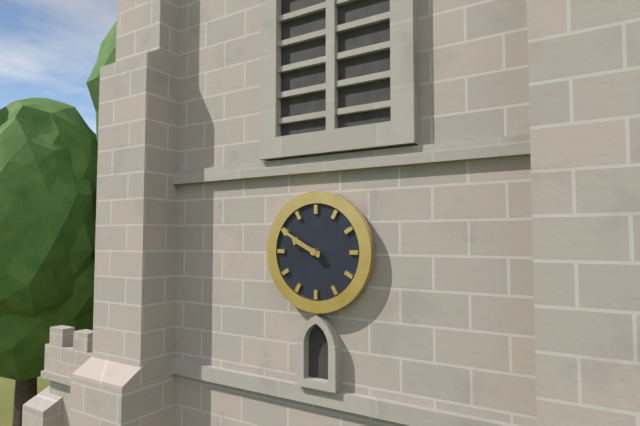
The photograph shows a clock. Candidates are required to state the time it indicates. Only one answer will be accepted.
9:50
